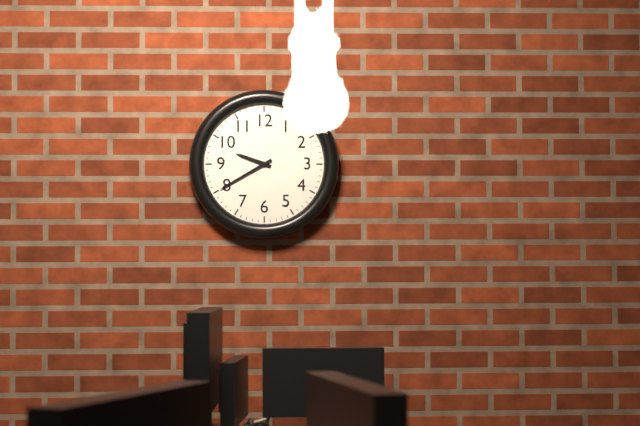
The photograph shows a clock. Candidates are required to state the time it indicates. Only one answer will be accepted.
9:40
